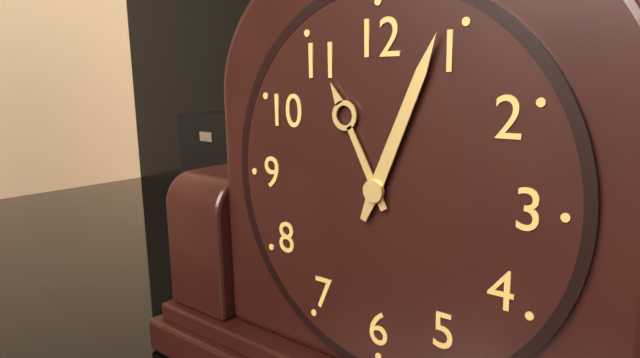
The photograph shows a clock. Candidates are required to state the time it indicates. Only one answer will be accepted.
11:04
